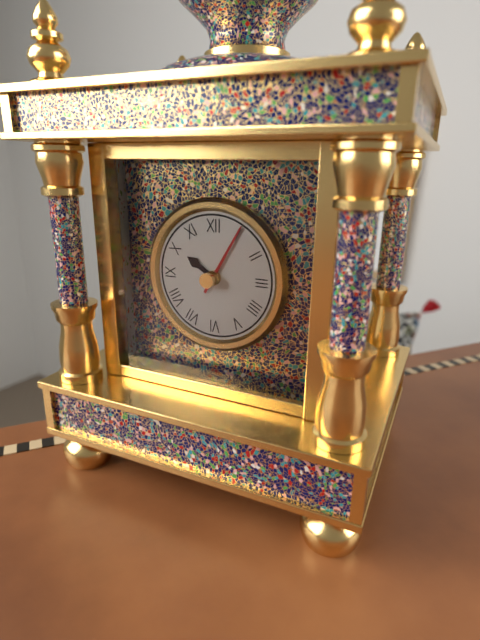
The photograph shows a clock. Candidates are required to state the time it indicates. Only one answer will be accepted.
10:05
